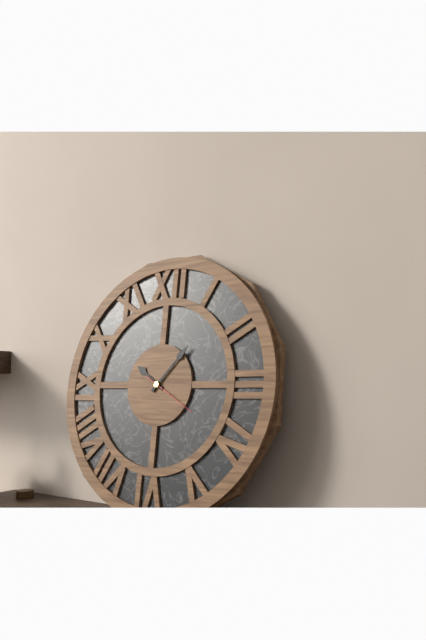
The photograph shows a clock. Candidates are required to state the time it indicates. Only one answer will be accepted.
10:07:20
